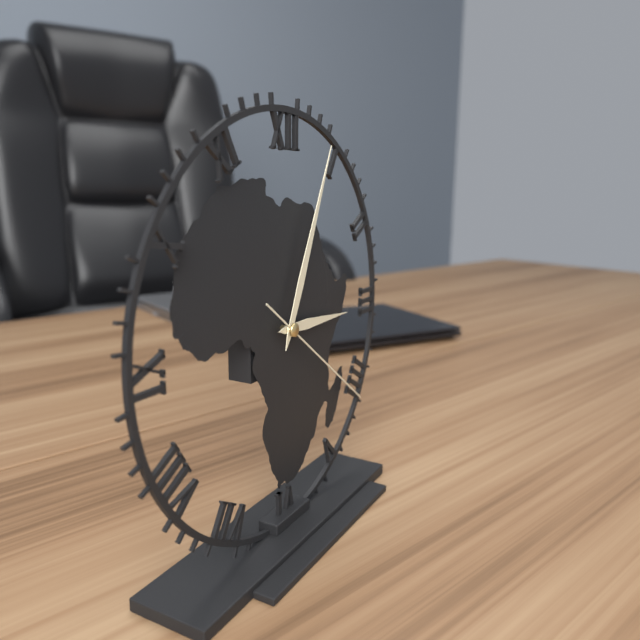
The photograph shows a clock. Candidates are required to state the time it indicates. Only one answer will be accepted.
3:04:21
